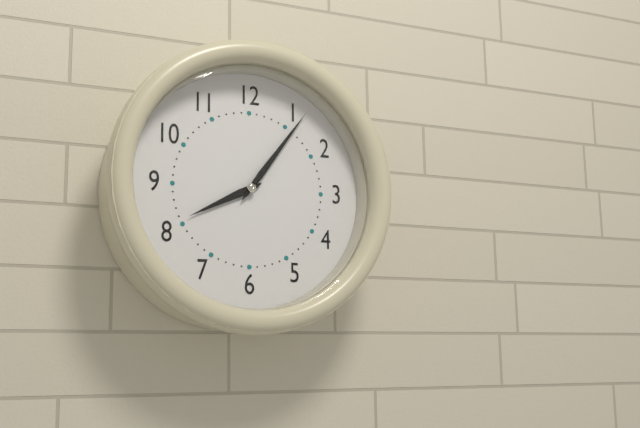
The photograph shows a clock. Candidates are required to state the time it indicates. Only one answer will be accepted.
8:06
